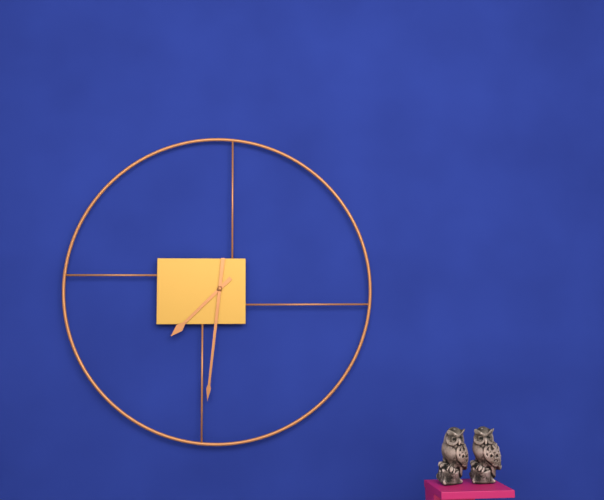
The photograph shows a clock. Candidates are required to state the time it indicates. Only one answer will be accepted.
7:31
